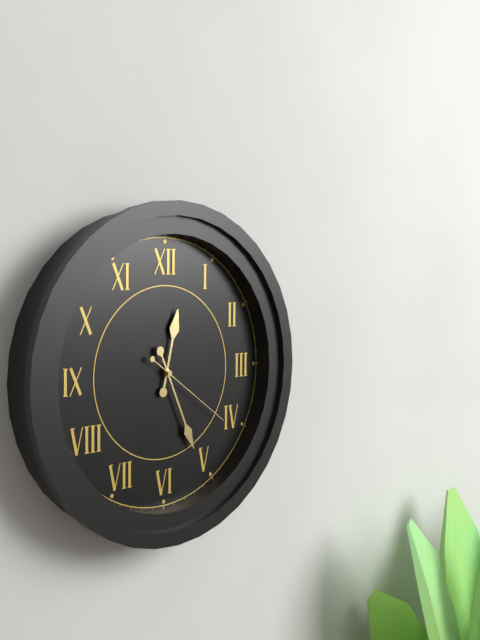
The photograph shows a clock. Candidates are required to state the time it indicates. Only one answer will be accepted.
12:26:21
